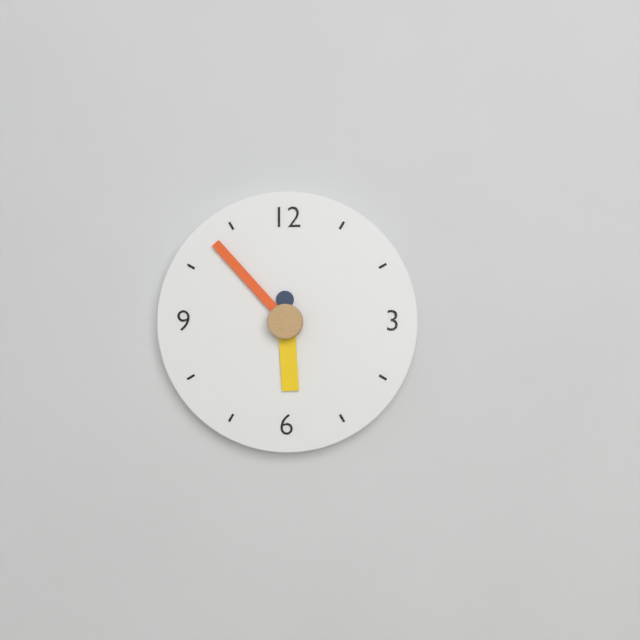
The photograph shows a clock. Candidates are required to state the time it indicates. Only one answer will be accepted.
5:53
